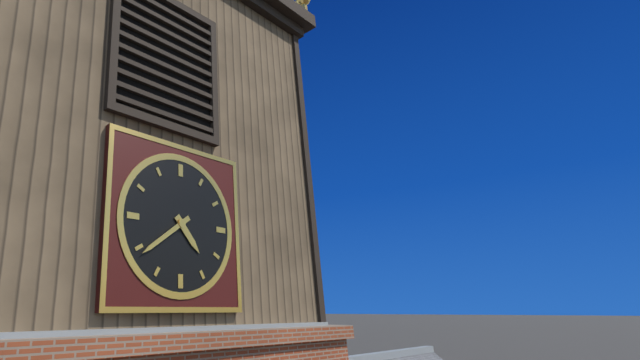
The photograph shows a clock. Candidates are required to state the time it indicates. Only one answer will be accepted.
4:39
